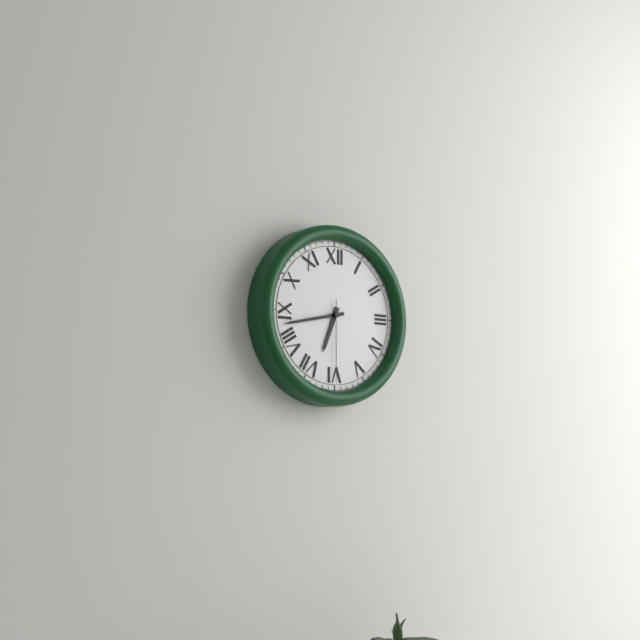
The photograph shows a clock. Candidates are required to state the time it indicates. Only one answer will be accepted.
6:43:30
